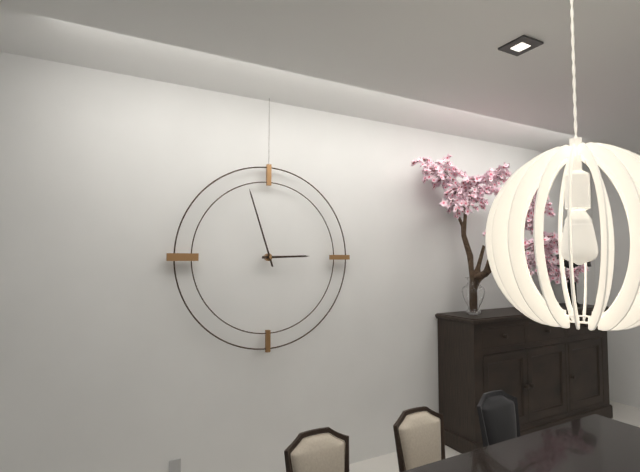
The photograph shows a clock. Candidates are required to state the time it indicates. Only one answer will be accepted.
2:57
